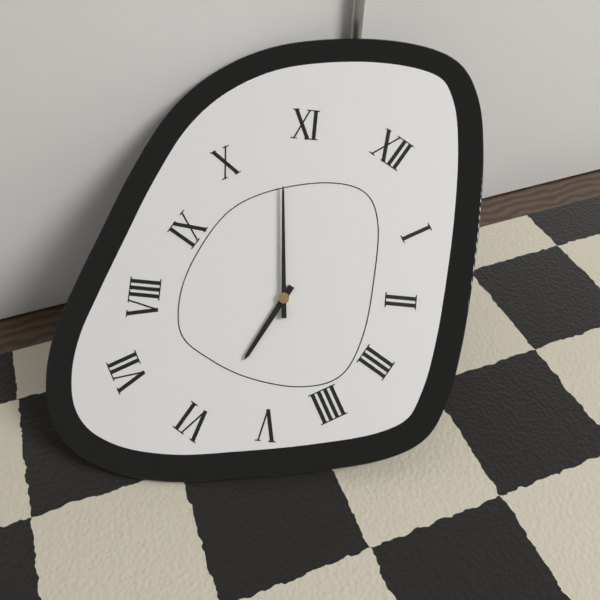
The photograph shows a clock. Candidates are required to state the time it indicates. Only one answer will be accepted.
5:54
